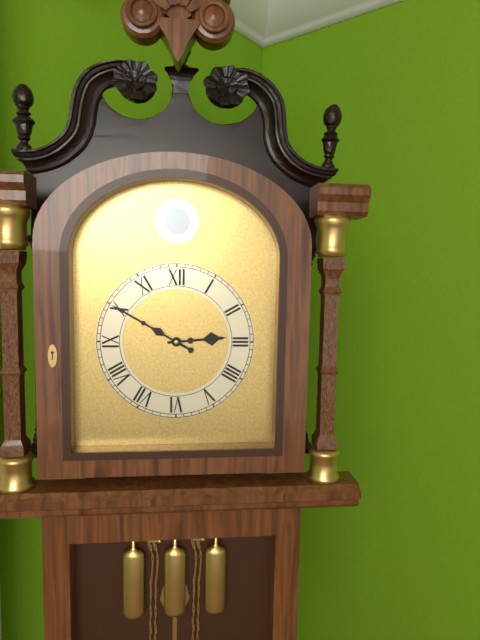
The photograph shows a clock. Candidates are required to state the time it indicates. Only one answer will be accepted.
2:50
